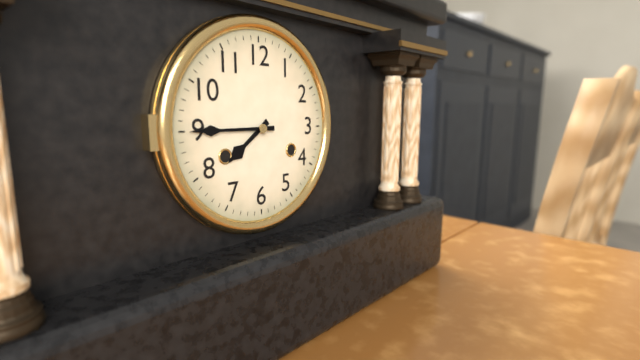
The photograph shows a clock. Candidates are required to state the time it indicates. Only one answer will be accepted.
7:45
